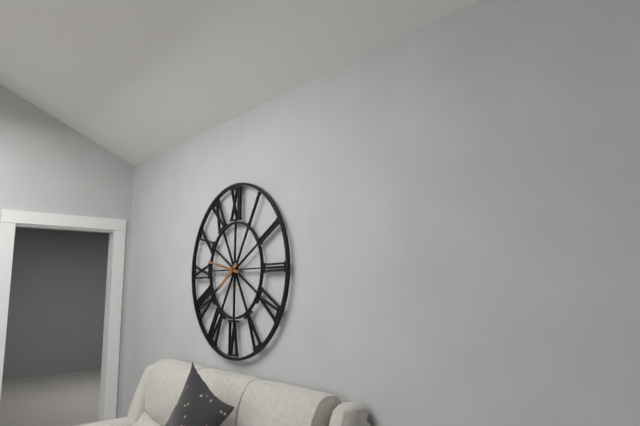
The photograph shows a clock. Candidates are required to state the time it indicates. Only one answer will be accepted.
7:47
